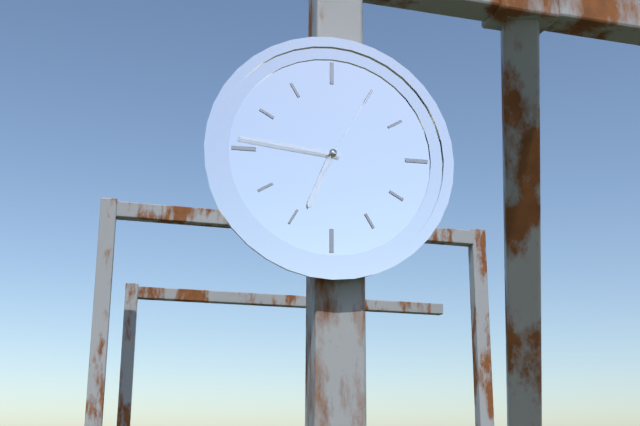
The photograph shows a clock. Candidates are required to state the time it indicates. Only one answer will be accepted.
6:46:05
